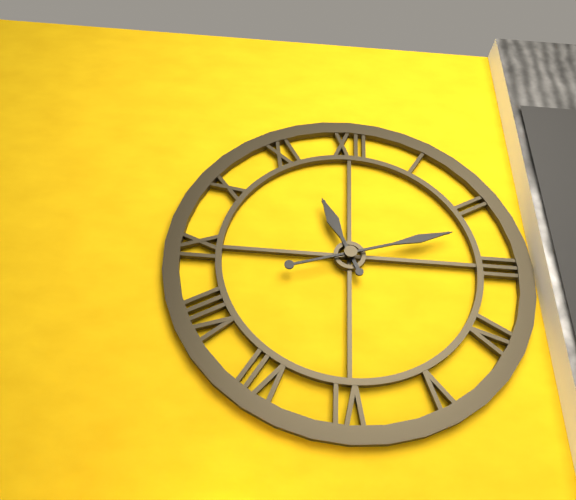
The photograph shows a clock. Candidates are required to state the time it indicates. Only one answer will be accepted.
11:12
